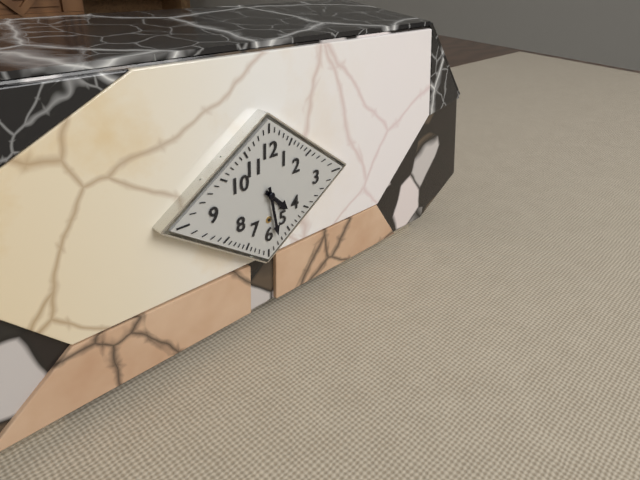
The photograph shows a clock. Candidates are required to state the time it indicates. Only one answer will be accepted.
4:28
